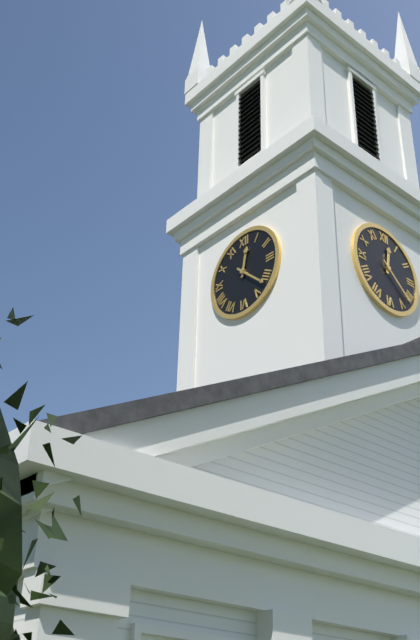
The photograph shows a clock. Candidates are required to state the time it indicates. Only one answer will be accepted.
12:22
